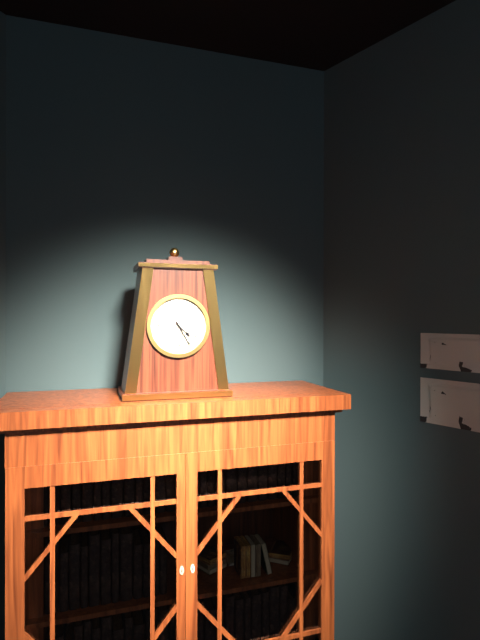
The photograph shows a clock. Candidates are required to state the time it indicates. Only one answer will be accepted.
4:25
